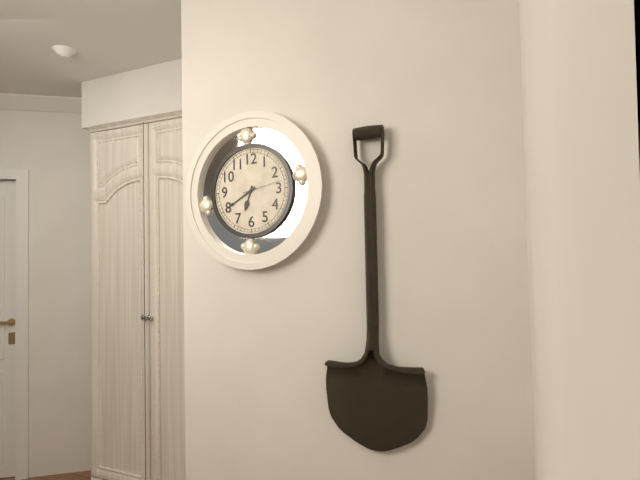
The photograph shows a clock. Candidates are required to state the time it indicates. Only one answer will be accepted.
6:40
